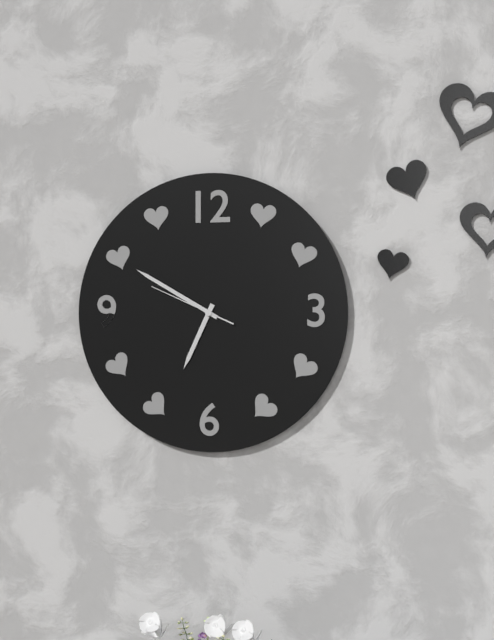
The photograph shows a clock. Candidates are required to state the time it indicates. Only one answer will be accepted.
6:50:49
